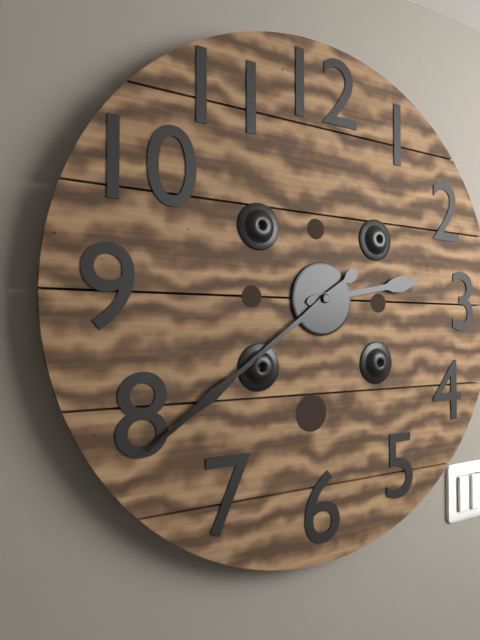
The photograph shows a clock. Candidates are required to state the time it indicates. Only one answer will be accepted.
2:39
